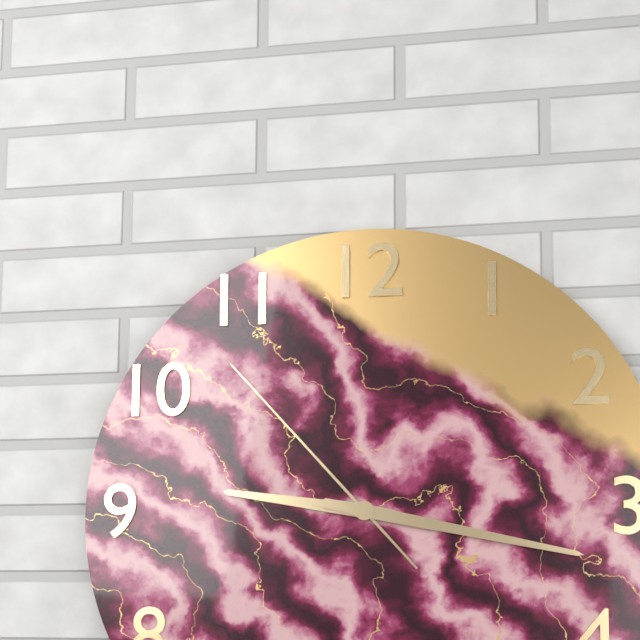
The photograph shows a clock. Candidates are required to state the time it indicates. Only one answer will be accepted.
9:17:53
